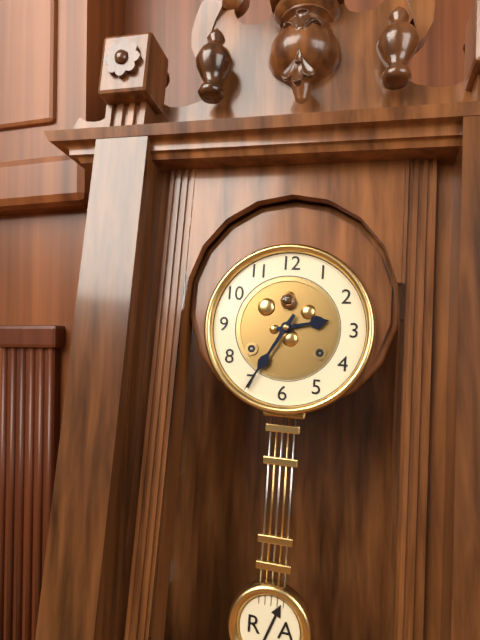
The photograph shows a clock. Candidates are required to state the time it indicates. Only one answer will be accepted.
2:35
